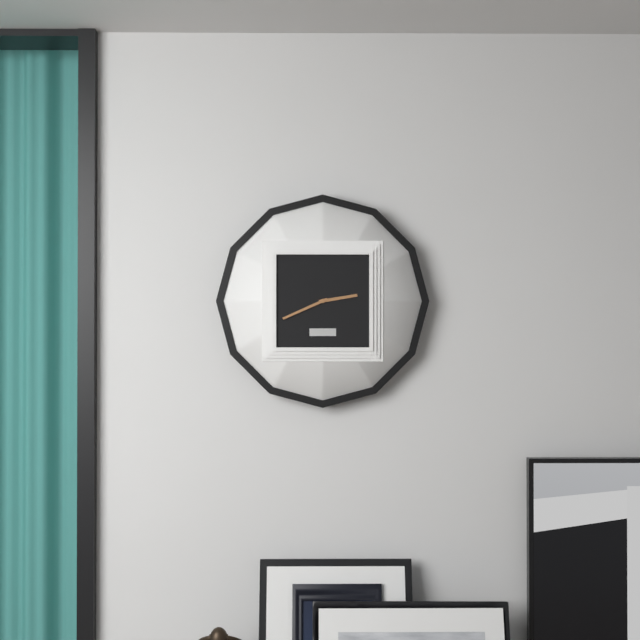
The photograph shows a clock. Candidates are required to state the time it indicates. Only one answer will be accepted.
2:41
